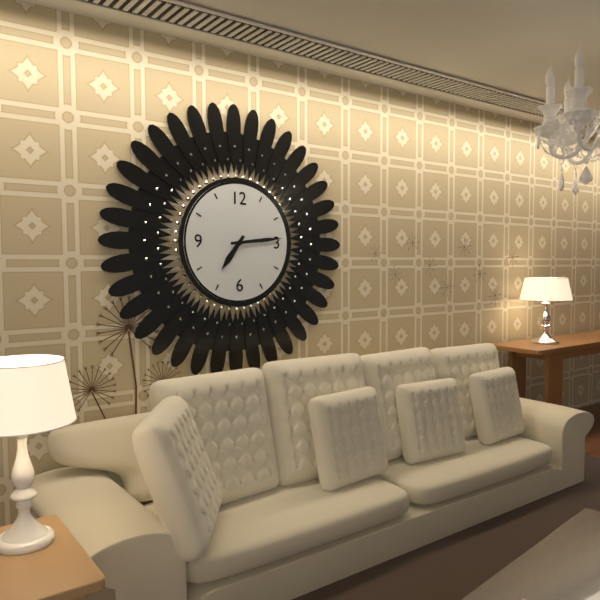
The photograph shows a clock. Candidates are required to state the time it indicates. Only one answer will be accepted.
7:14
